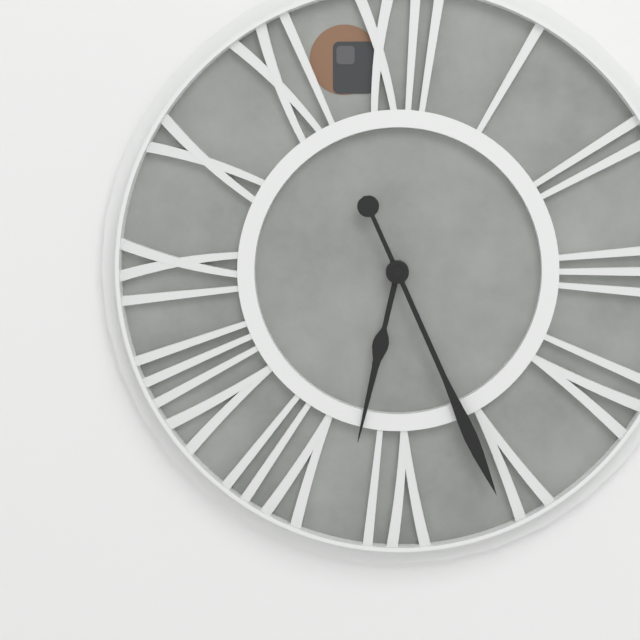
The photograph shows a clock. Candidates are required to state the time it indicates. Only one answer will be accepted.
6:26
